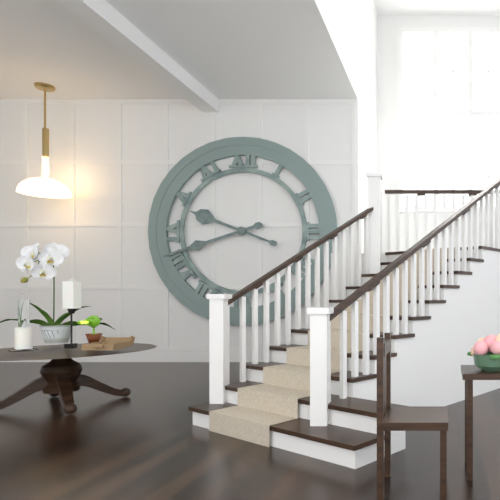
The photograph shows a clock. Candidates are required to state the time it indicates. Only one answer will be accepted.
9:42
